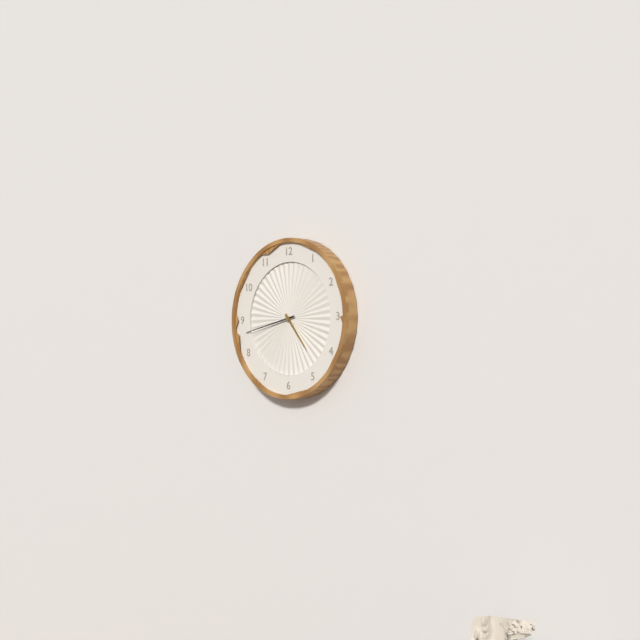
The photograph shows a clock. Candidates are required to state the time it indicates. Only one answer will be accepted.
4:43
